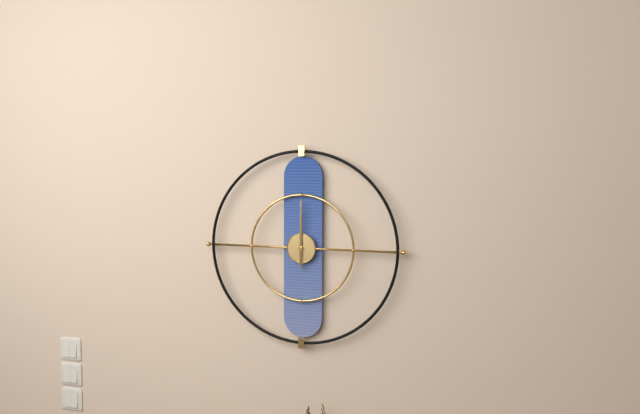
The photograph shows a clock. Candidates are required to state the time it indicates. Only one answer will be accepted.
12:00
